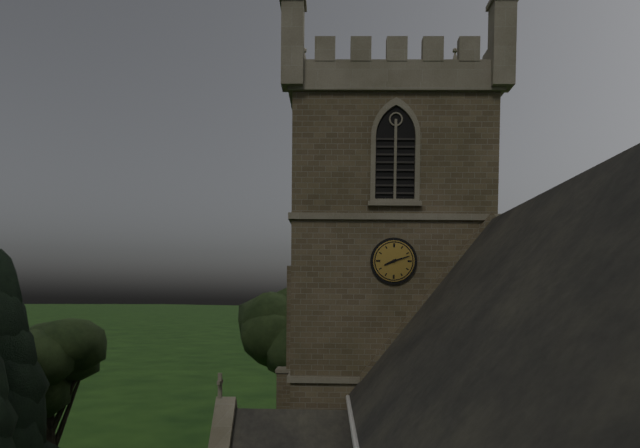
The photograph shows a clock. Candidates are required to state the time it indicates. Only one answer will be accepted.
8:12
